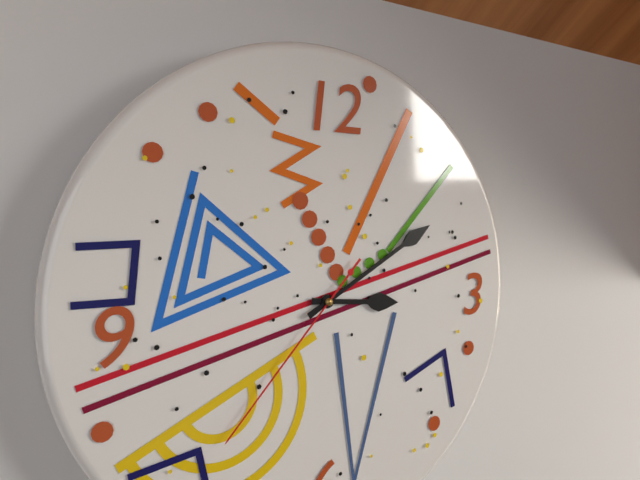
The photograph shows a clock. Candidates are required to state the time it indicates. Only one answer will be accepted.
3:10:37
